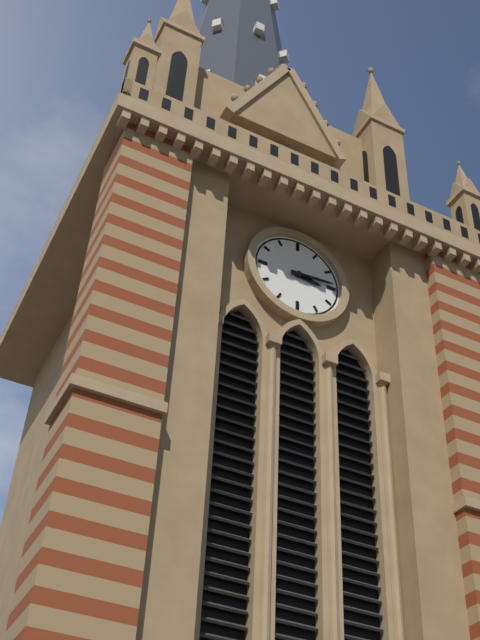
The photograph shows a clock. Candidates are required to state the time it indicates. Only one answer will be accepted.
3:14
